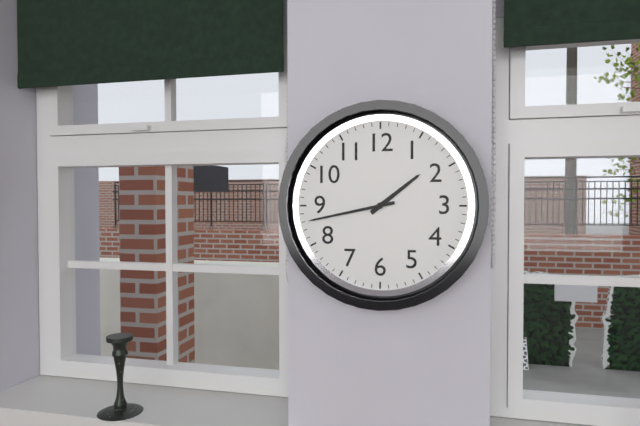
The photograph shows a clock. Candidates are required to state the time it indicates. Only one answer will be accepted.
1:43
